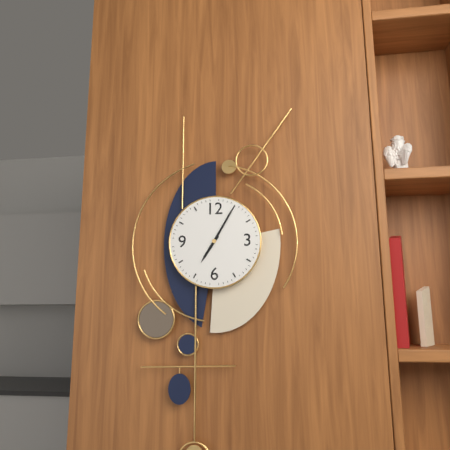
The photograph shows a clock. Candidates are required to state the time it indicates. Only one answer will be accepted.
7:05
